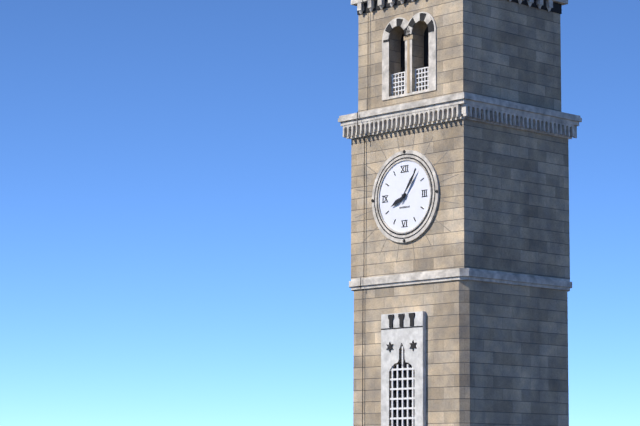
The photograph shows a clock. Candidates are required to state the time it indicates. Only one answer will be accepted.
8:06
